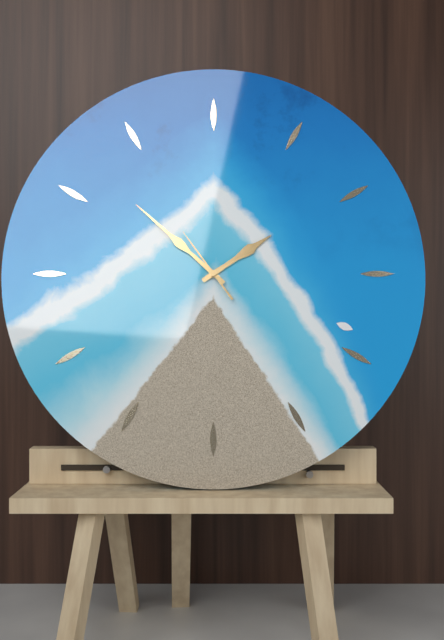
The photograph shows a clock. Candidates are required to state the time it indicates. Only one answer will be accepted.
1:52:54
